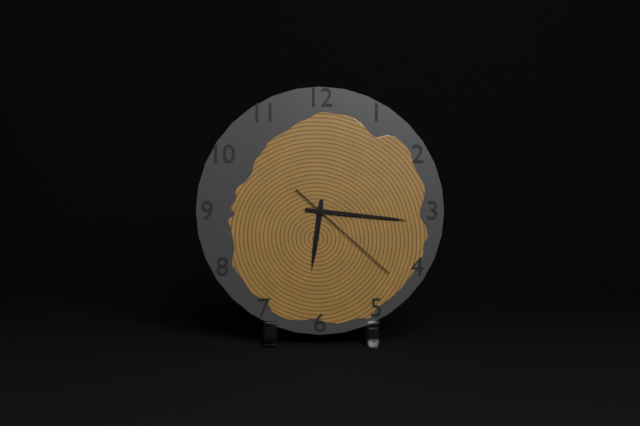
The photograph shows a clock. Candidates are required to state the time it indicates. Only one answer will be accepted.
6:16:22
